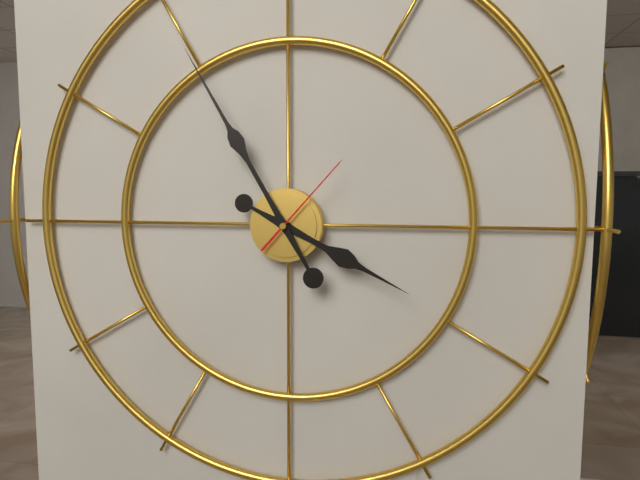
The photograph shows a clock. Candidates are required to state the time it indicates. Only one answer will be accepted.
3:55:07
